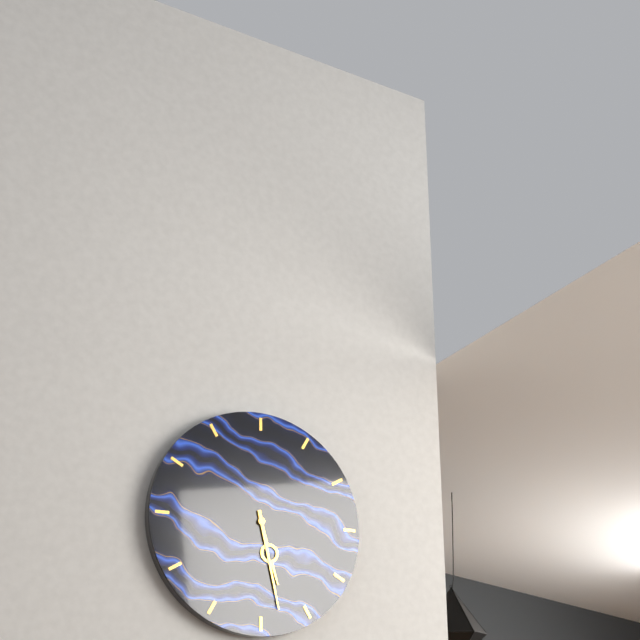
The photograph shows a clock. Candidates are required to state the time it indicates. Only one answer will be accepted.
5:28
